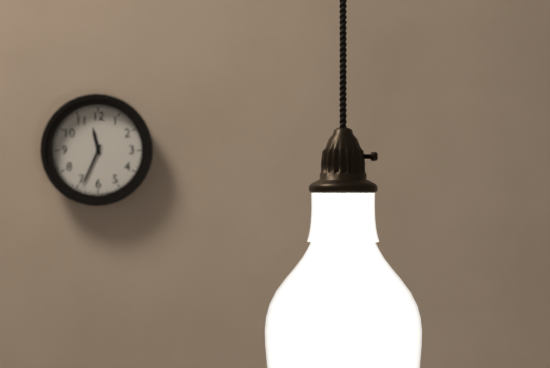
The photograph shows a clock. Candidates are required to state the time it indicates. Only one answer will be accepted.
11:34
